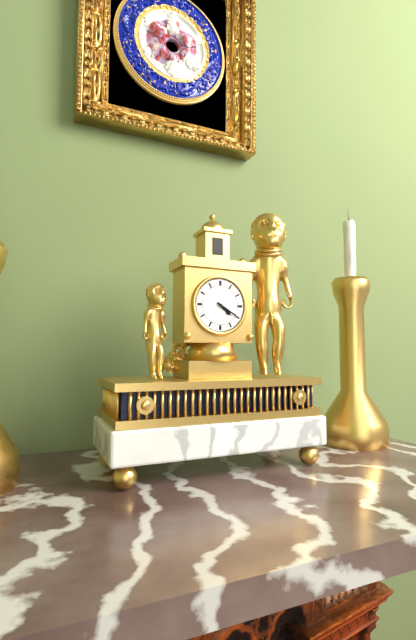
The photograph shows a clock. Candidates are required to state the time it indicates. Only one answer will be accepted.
4:20
